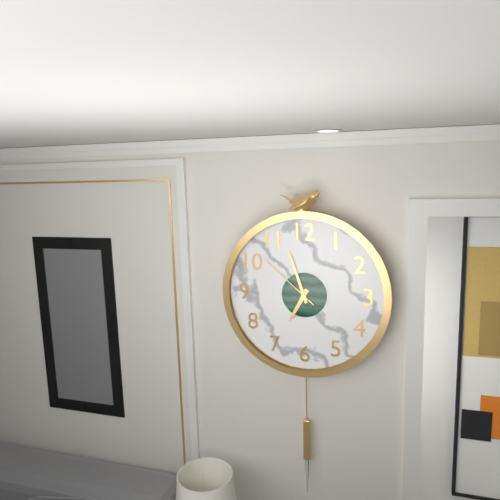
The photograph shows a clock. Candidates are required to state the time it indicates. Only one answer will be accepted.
6:57:52
